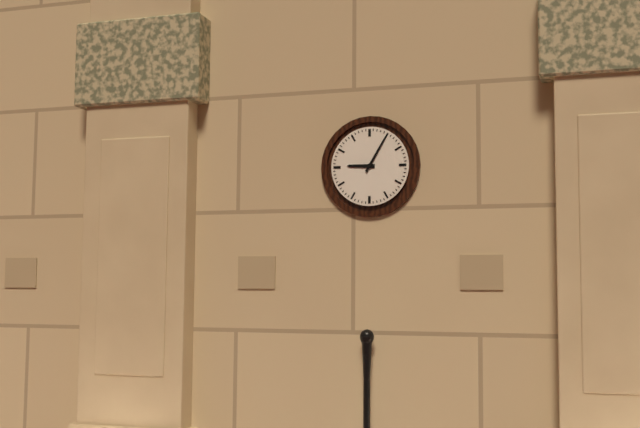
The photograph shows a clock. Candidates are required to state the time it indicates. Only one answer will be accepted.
9:05
